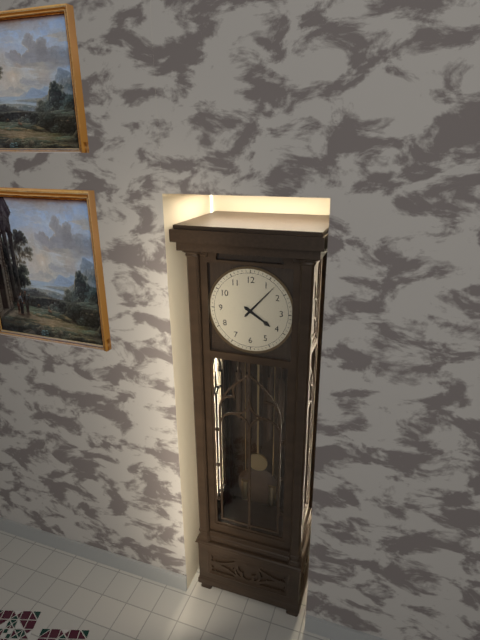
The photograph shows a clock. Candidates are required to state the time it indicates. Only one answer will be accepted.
4:07
